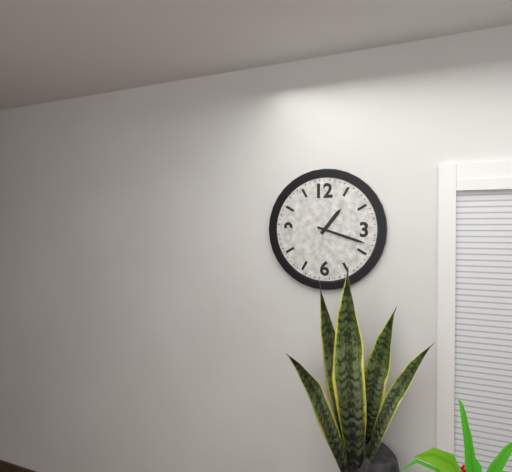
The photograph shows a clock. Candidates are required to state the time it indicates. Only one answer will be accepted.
1:18
